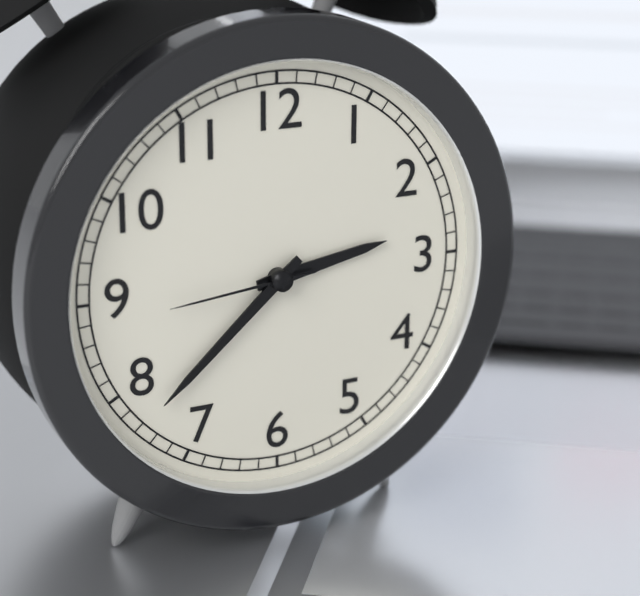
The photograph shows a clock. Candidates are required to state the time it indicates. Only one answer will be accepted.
2:38:44
